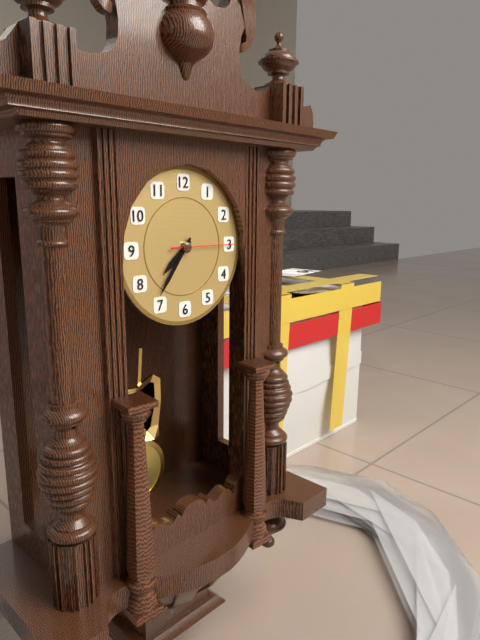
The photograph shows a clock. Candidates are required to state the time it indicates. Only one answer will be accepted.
7:36:15
